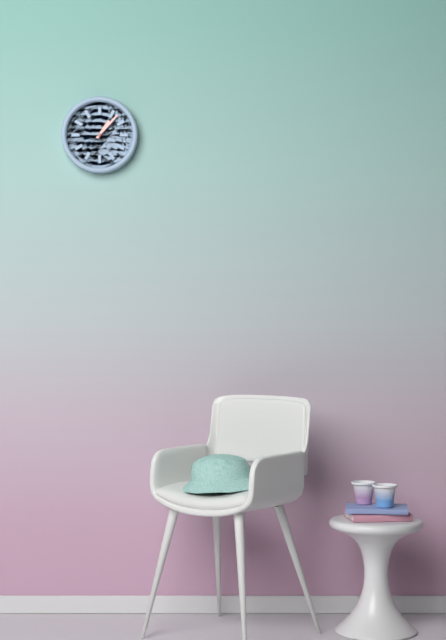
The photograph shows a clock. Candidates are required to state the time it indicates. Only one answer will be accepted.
1:07
